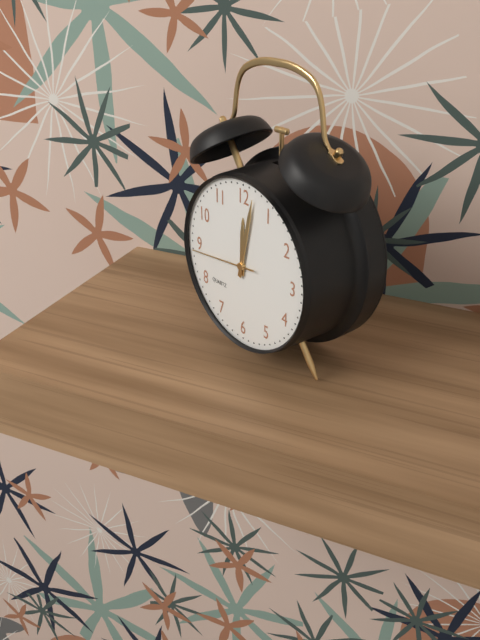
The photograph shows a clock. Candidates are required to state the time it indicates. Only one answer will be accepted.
12:02:44
